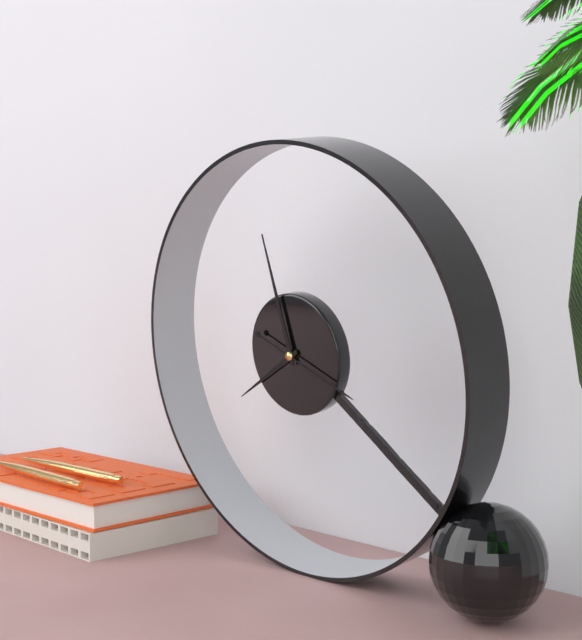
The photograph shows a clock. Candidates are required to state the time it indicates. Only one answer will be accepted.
7:58:19
